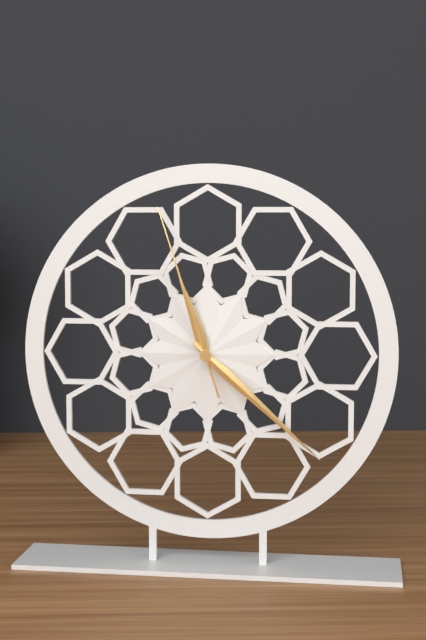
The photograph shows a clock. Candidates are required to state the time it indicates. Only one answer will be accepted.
11:22:57
